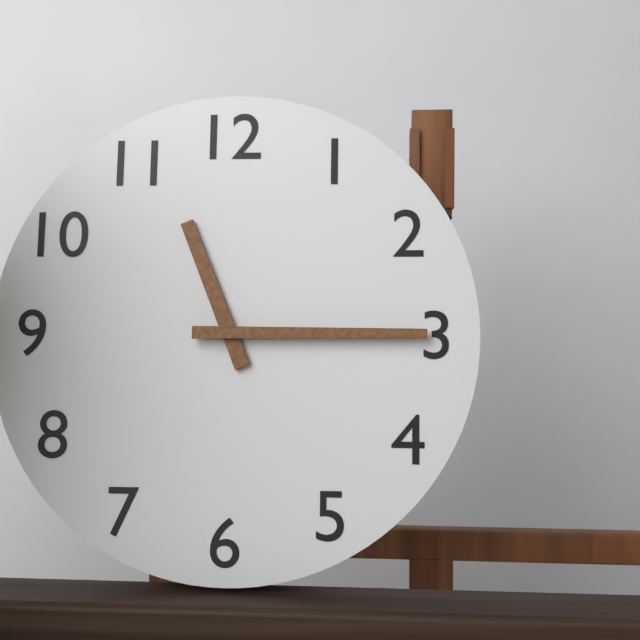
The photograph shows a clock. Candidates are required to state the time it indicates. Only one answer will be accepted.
11:15
